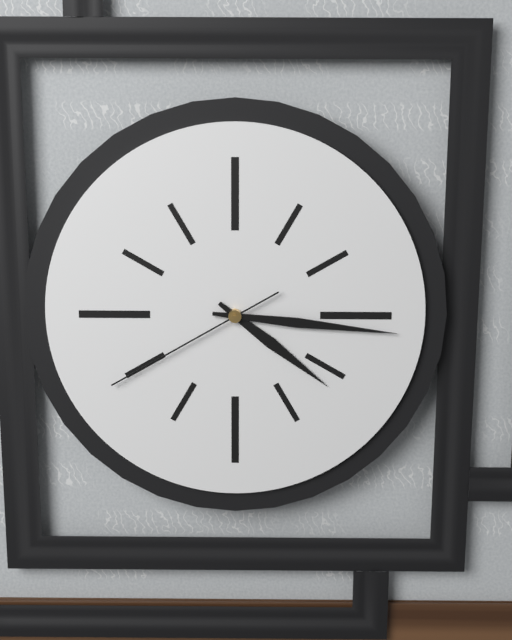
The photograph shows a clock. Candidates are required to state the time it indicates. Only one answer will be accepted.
4:16:40
